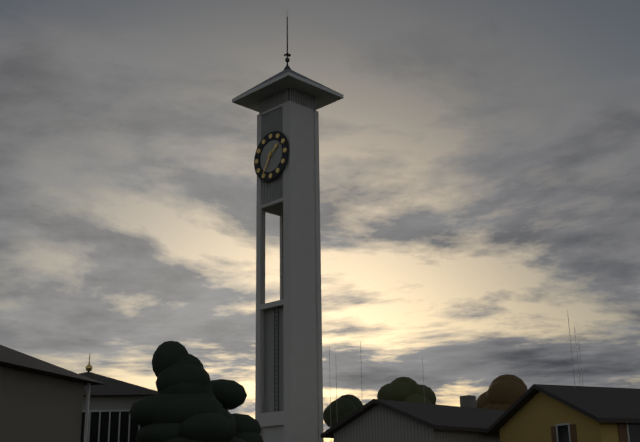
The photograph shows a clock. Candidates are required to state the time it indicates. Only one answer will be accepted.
1:35
